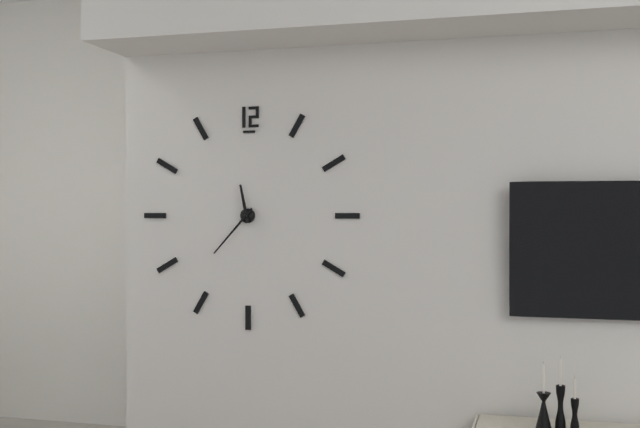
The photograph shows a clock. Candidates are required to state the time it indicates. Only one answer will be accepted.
11:37
